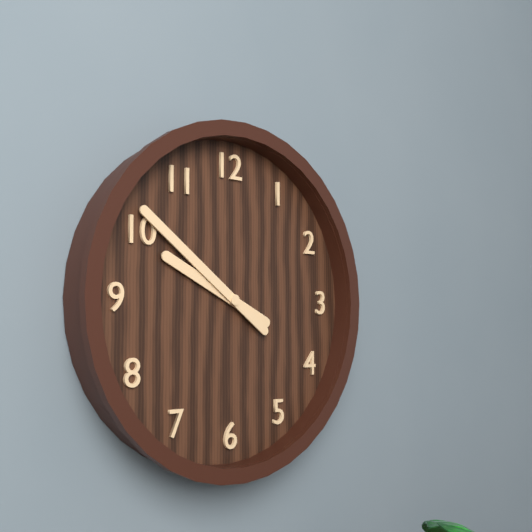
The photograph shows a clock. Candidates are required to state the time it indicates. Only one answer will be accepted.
9:51
